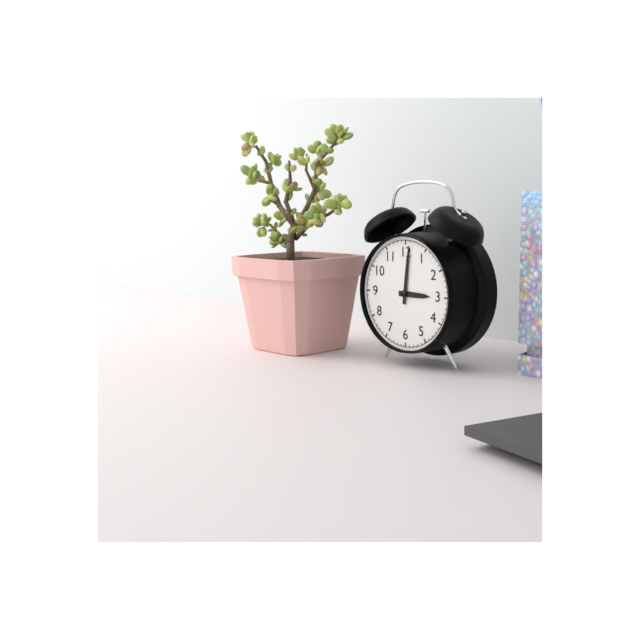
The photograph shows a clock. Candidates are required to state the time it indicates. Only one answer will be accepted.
3:01
